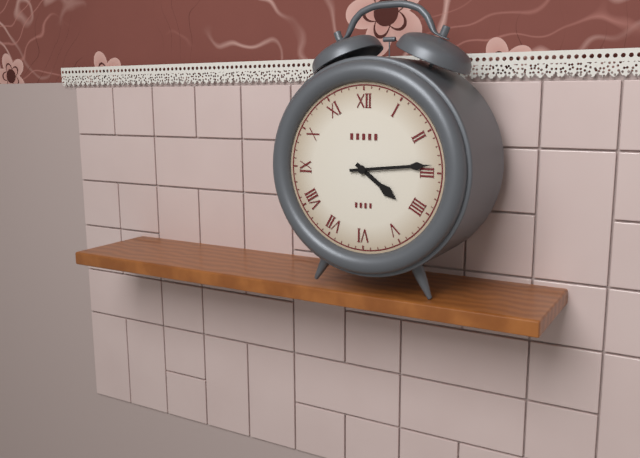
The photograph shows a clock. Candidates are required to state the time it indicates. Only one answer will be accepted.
4:14
